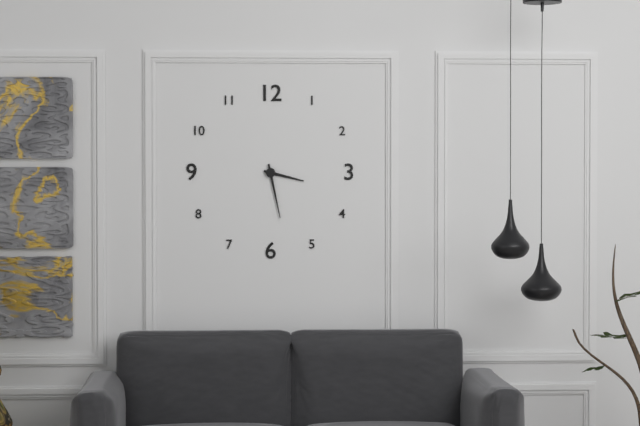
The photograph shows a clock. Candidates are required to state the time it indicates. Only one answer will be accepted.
3:28
